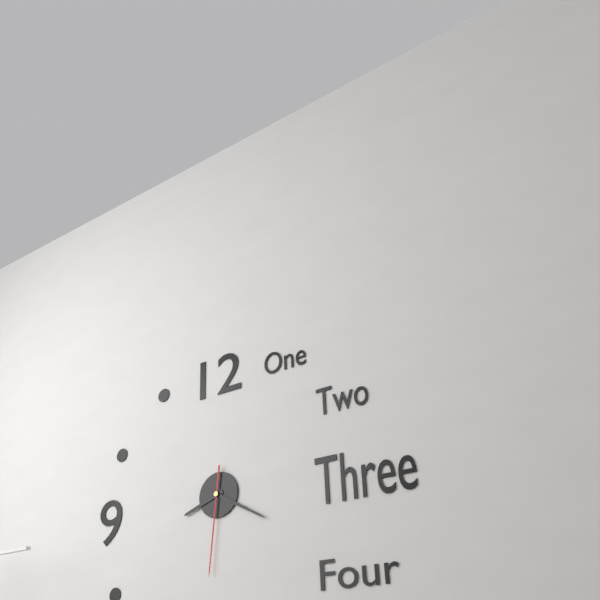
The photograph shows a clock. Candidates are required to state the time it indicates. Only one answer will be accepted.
8:20:31
